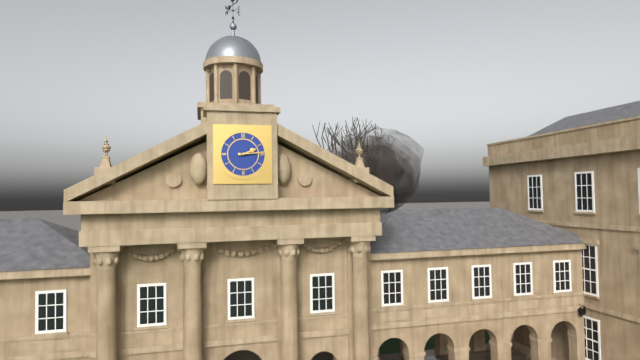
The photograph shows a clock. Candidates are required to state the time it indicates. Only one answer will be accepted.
2:14
